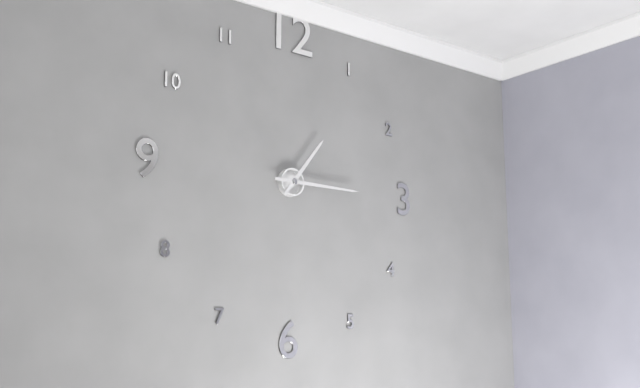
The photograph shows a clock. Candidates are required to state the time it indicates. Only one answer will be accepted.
1:15
